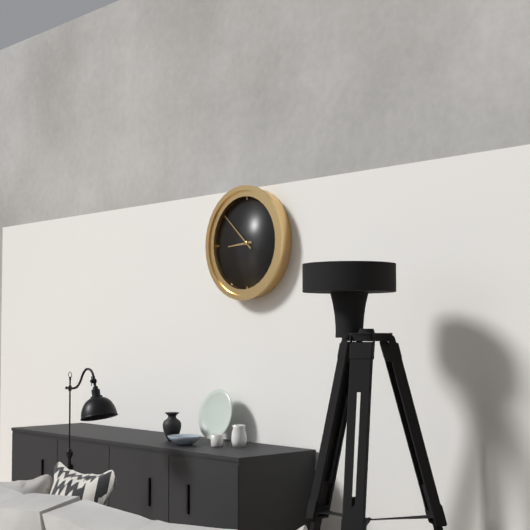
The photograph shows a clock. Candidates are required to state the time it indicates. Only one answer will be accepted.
8:52
